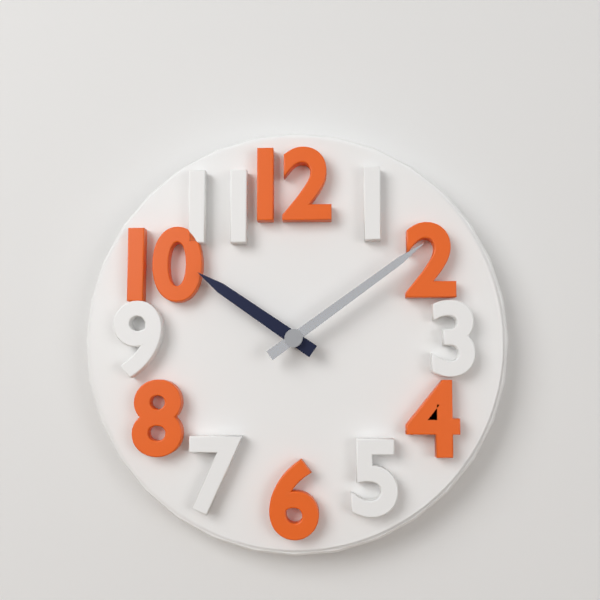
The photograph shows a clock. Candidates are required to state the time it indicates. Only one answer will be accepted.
10:09
